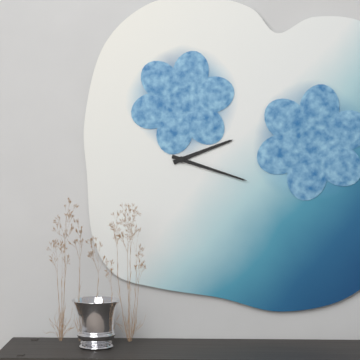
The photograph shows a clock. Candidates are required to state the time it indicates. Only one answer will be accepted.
2:18
